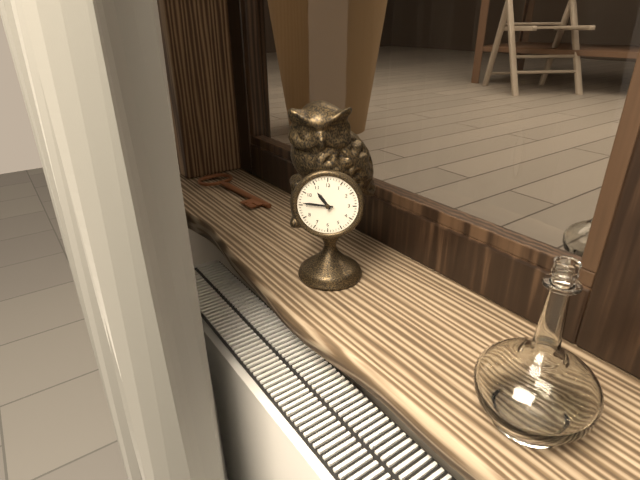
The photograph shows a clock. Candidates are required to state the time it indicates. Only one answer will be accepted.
10:46
